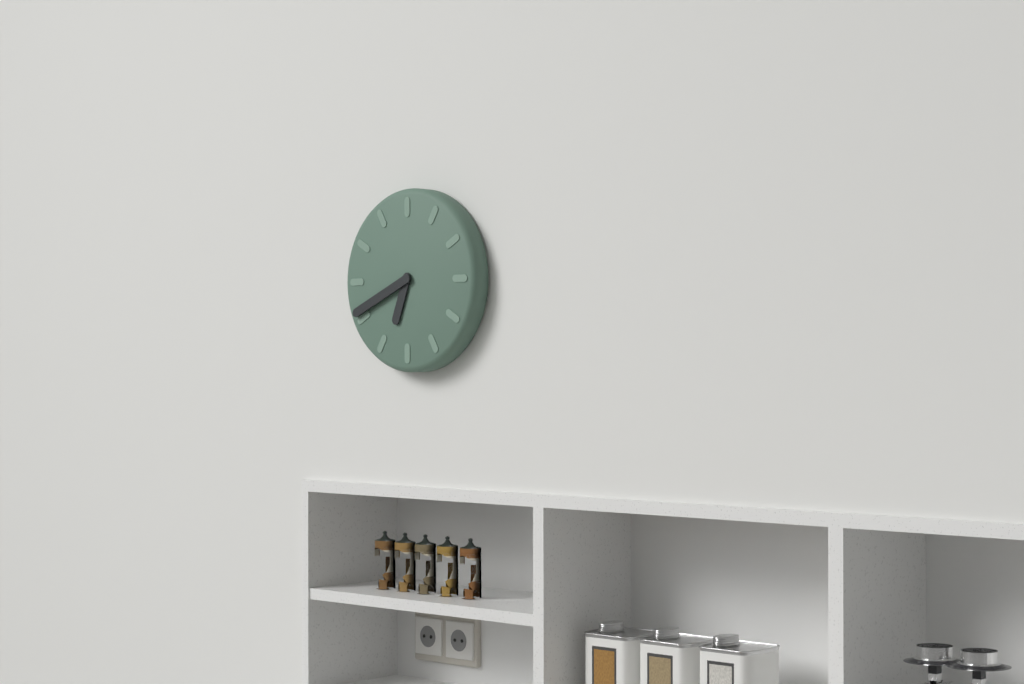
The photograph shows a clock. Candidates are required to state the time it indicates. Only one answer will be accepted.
6:41
